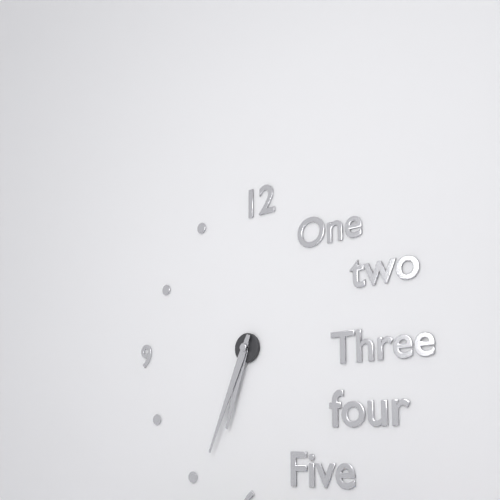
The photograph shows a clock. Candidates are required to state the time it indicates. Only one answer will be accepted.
6:34
